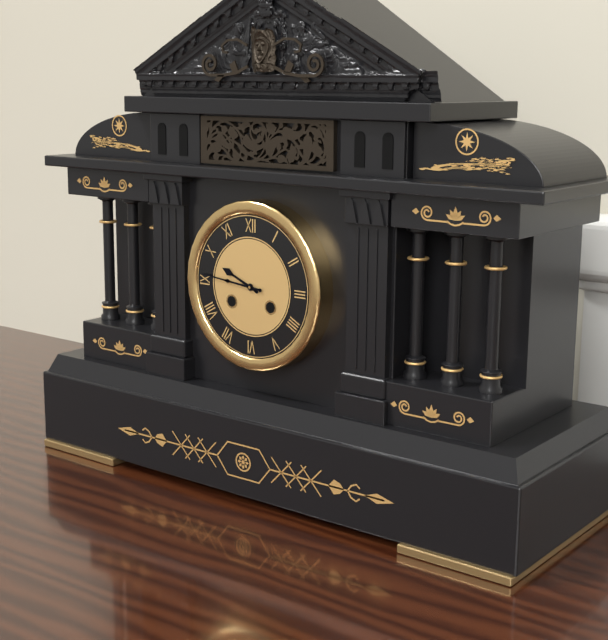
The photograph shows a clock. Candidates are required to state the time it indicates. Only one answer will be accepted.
9:46
